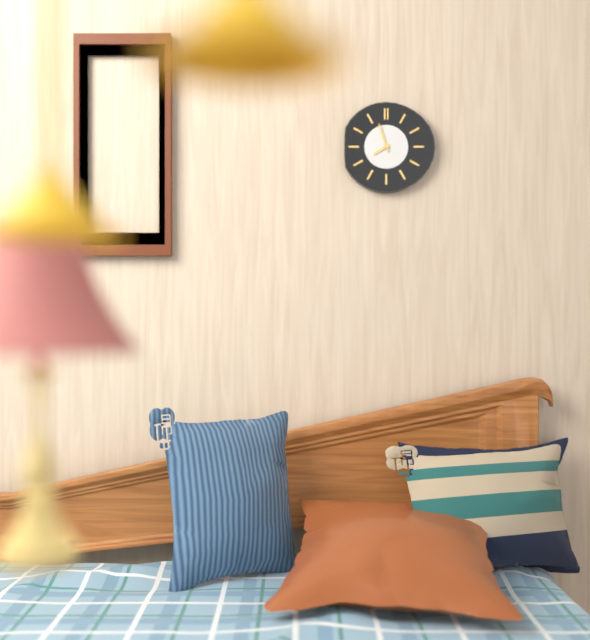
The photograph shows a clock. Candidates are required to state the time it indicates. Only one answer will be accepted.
7:57
